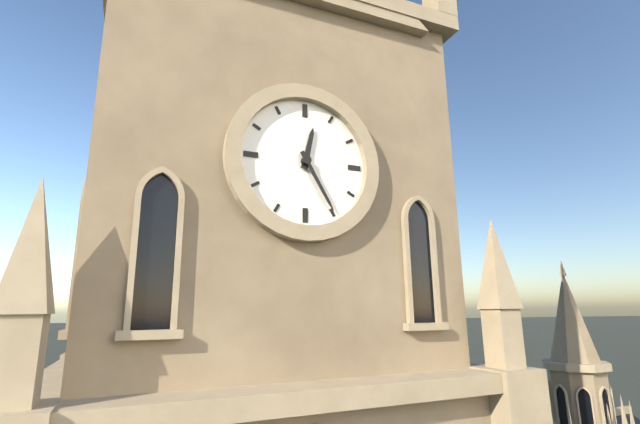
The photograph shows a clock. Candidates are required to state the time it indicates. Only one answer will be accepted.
12:25
